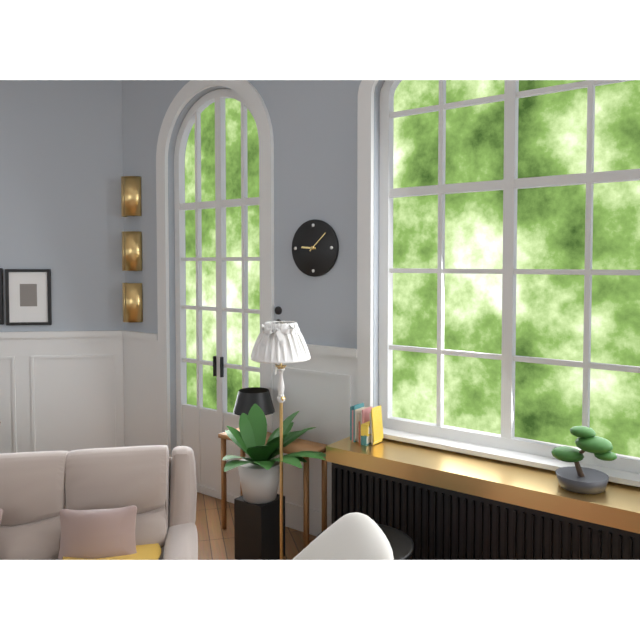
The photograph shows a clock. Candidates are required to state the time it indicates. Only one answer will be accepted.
9:08
